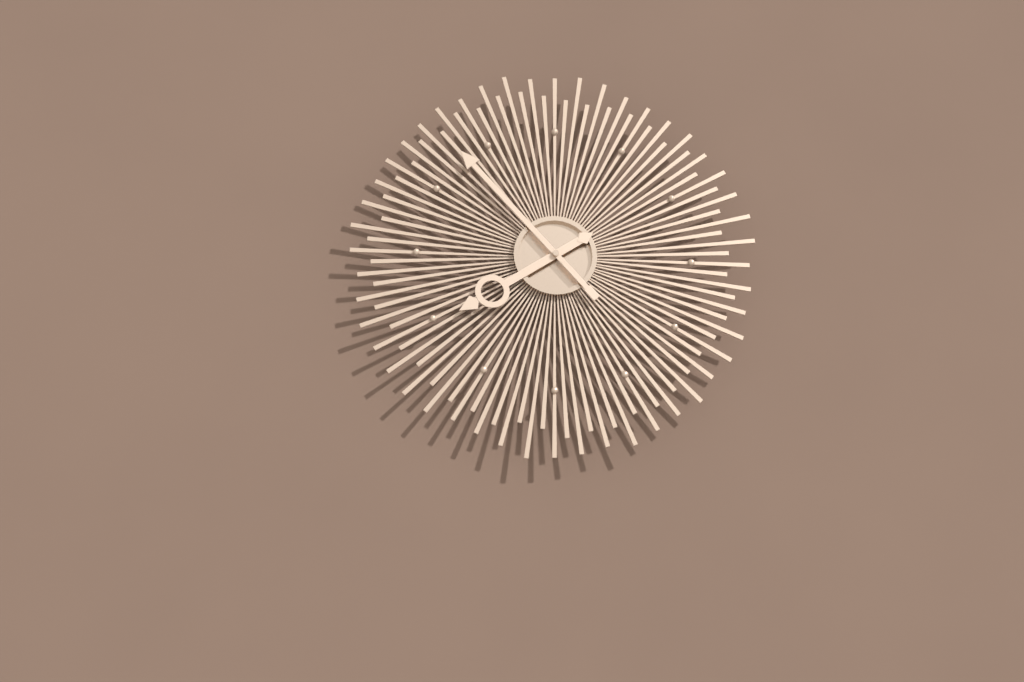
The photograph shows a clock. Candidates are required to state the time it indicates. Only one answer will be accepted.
7:53
